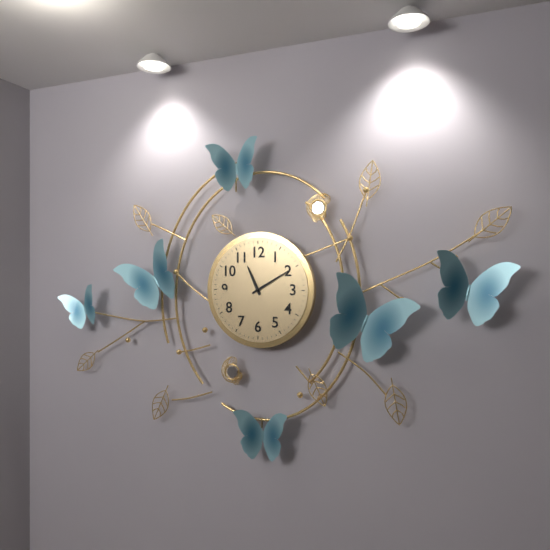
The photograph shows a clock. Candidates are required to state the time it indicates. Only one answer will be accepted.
11:10
